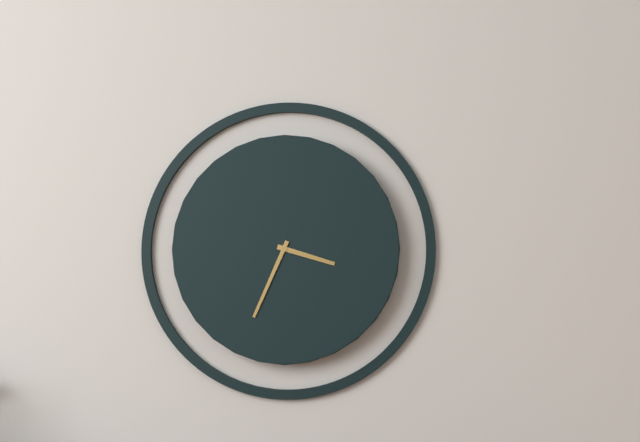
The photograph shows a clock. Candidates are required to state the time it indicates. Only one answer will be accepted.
3:34
